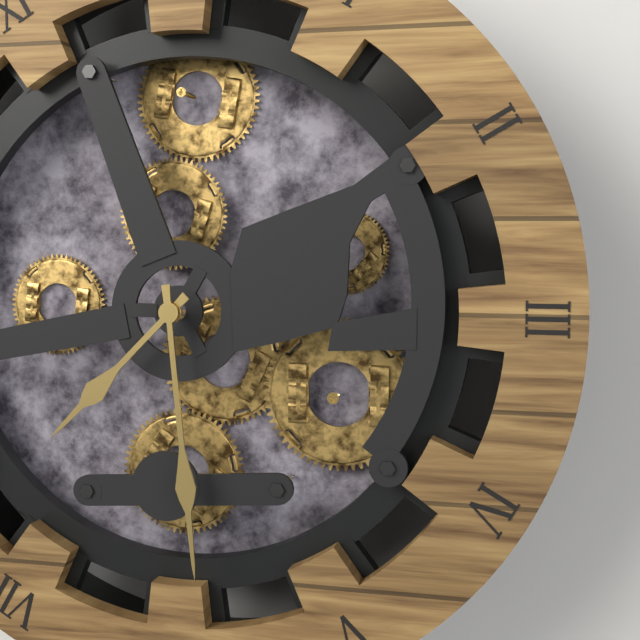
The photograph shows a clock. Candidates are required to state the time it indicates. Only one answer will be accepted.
7:29
